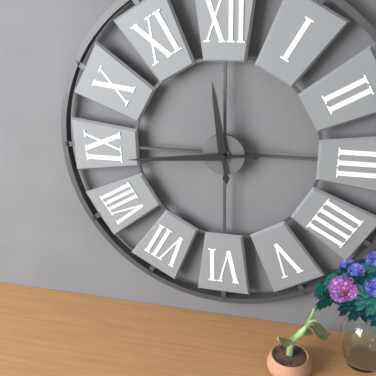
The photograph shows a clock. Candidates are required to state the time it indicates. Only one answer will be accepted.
11:44
